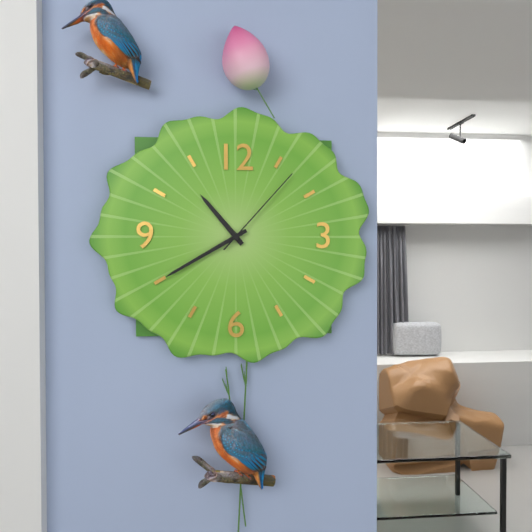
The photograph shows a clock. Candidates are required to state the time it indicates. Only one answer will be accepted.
10:40:07
